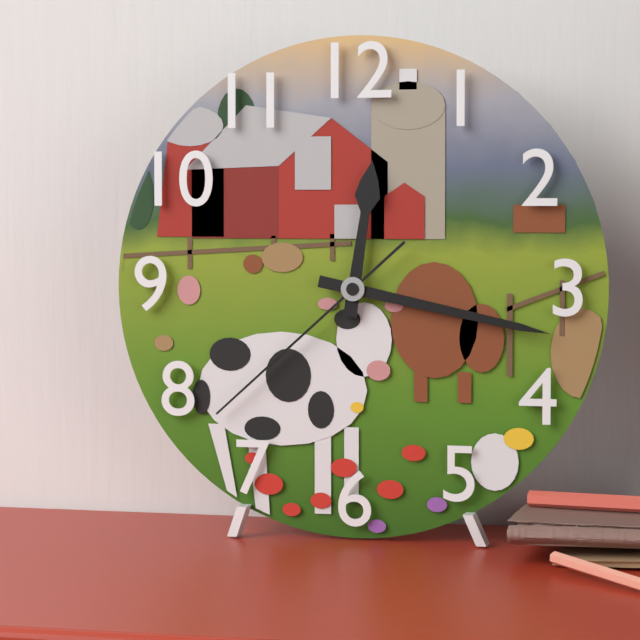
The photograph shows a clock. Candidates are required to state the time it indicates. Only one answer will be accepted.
12:17:38
